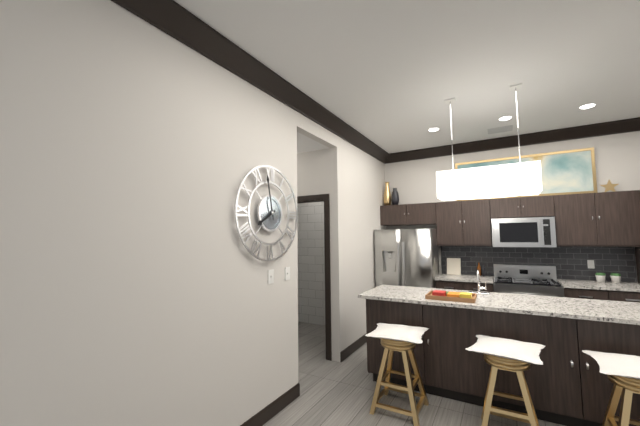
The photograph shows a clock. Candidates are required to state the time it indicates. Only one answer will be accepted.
7:58
